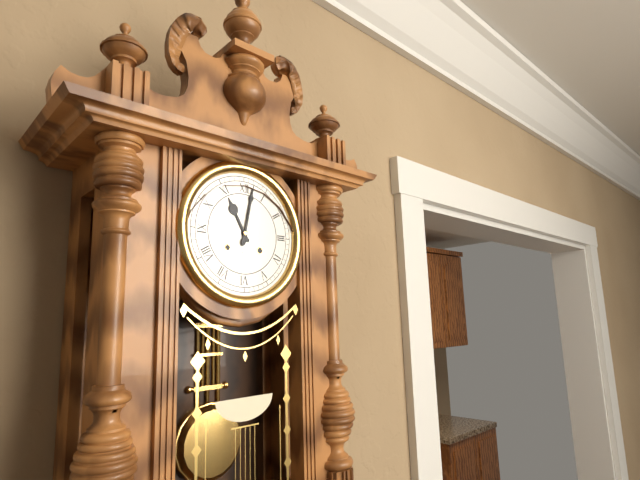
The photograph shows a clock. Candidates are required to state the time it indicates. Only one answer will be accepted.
11:02
